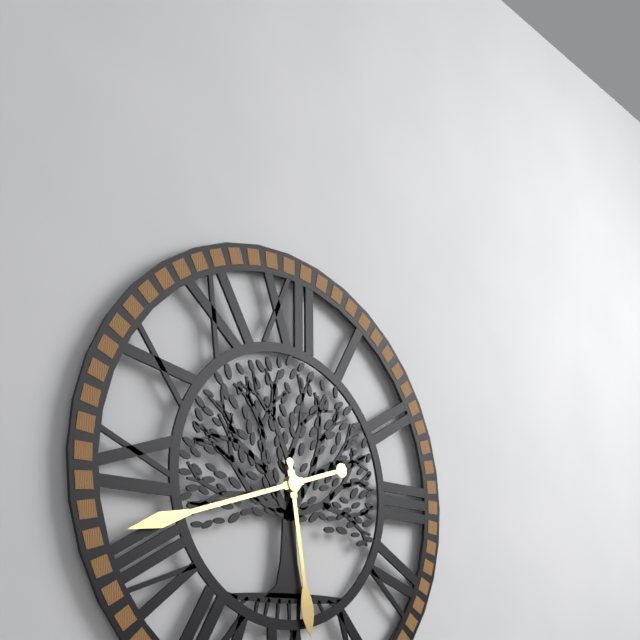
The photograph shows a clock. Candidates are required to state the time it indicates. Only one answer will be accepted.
5:42
